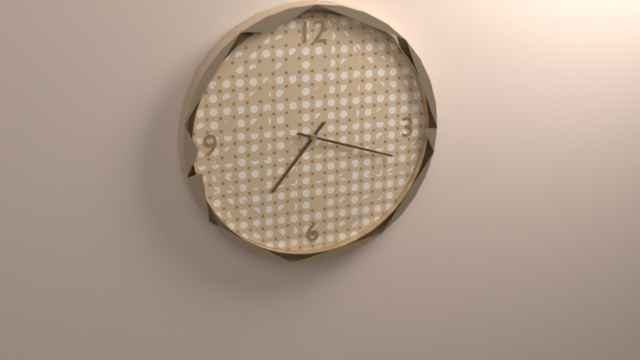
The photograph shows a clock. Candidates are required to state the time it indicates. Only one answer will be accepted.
7:18
